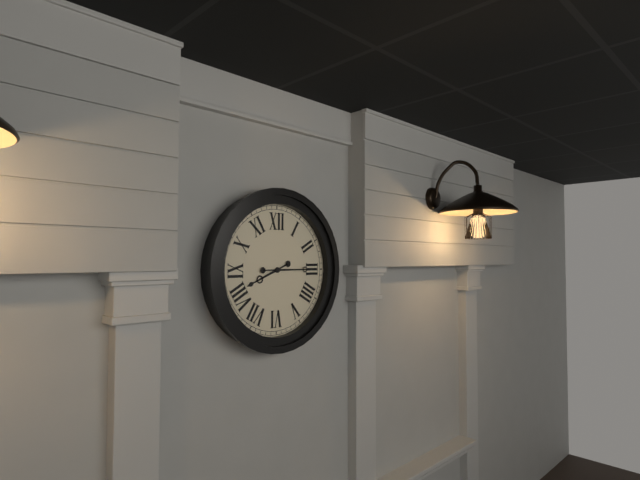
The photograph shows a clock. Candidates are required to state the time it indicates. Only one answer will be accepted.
8:15
